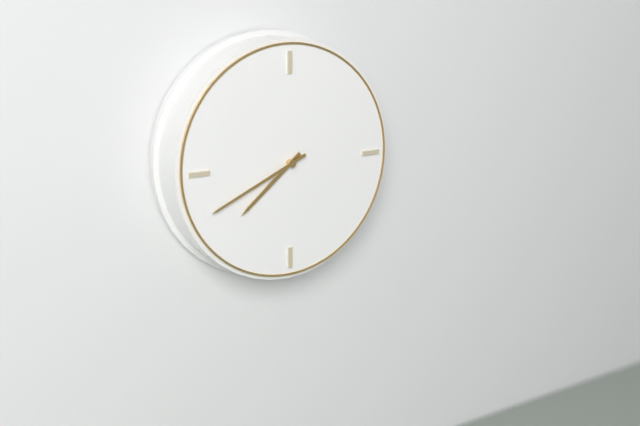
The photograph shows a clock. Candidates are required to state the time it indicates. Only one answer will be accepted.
7:41
